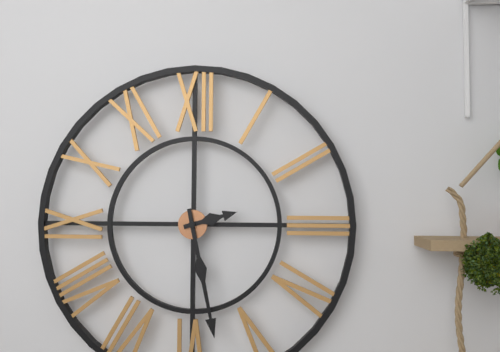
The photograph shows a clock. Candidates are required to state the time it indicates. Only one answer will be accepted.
2:28
